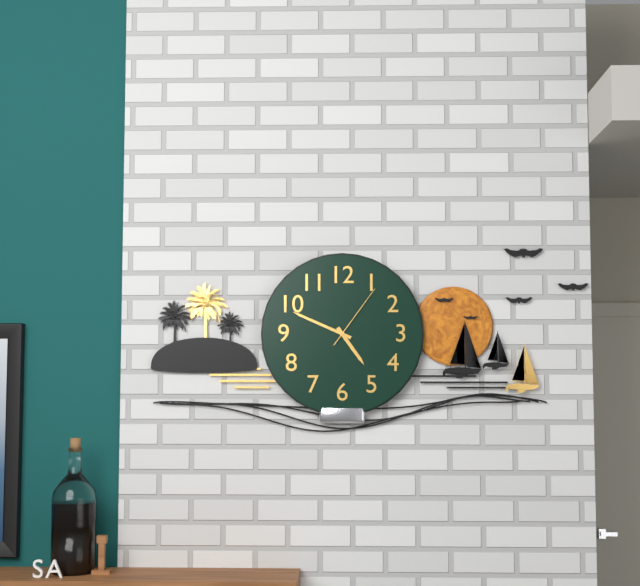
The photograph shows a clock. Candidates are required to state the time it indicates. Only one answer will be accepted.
4:49:06
